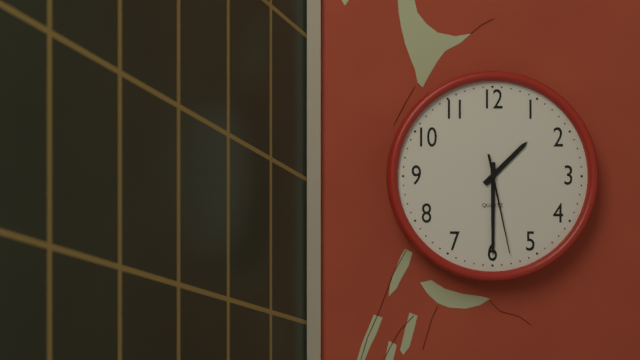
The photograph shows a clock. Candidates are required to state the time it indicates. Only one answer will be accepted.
1:30:28
